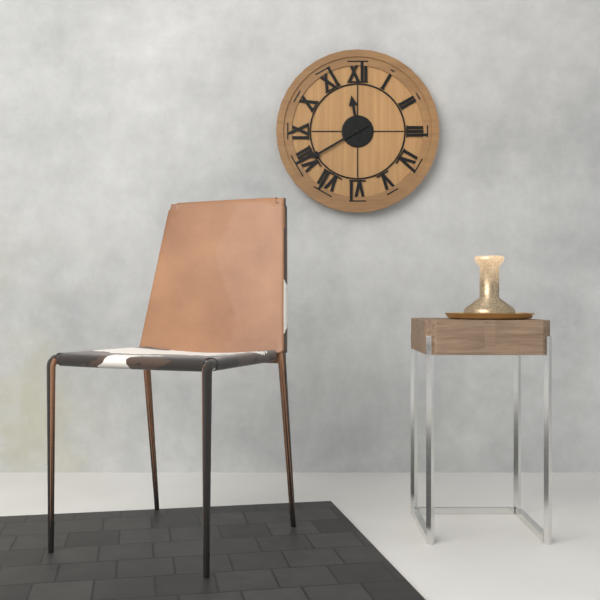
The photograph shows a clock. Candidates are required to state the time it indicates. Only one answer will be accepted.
11:40
